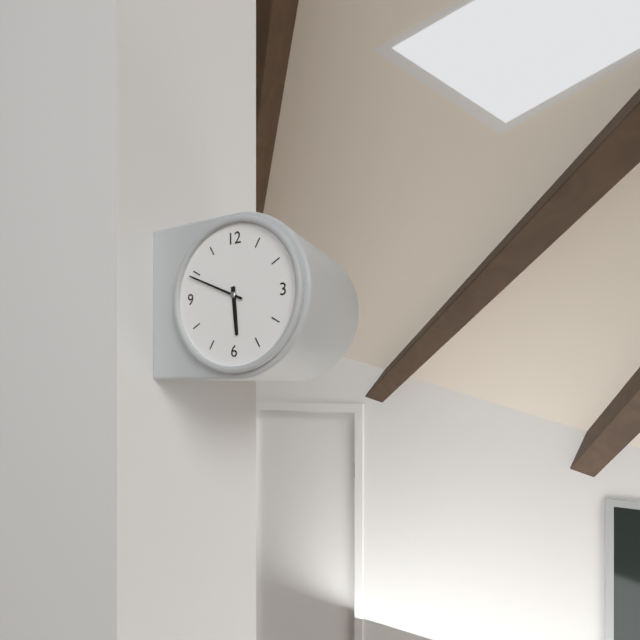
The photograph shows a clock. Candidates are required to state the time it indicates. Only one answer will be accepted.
5:49
